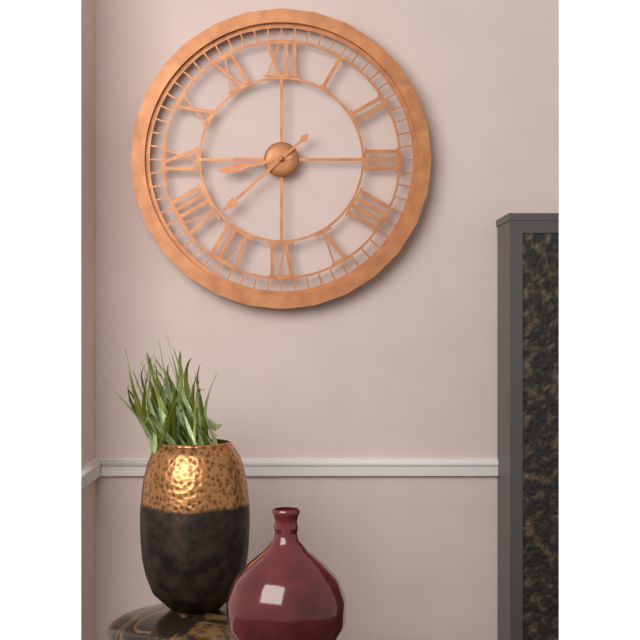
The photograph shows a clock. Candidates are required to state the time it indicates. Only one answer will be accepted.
8:38
